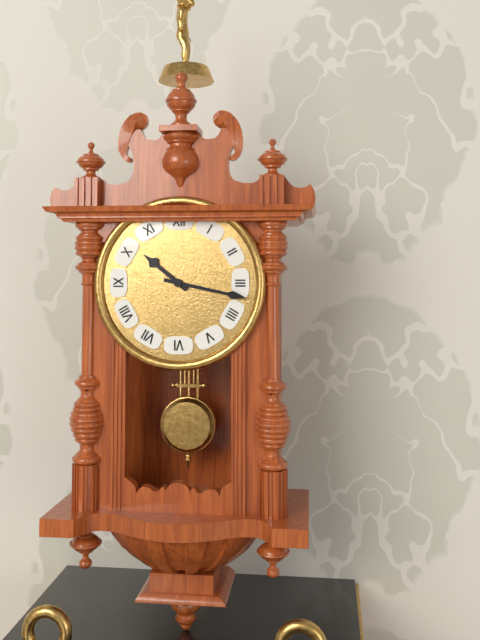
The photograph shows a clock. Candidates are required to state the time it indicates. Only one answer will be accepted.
10:17
